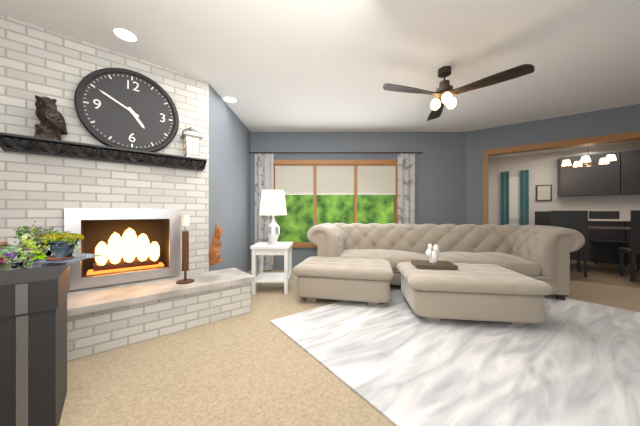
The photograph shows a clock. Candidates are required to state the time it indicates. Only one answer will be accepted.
4:50
